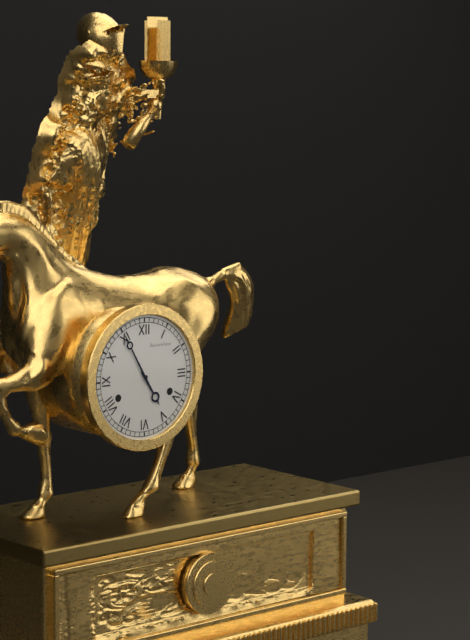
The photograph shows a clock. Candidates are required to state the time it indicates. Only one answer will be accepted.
4:55
